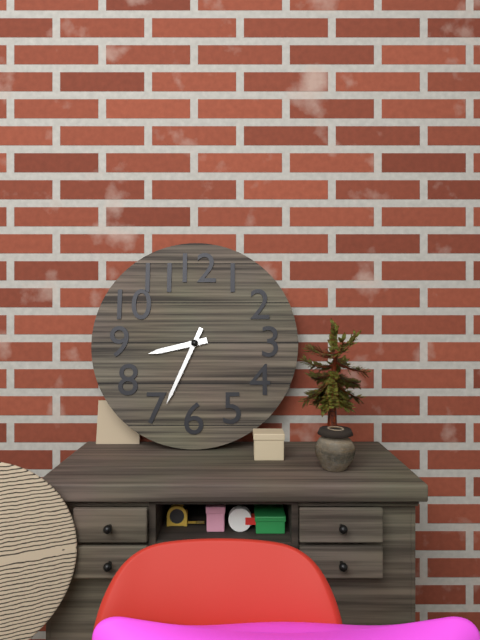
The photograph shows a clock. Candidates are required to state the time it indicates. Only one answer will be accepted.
8:34
